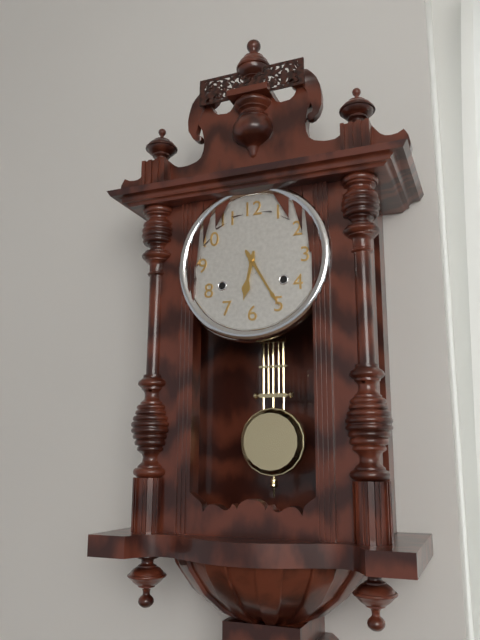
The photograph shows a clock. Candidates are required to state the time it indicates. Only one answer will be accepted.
6:25
